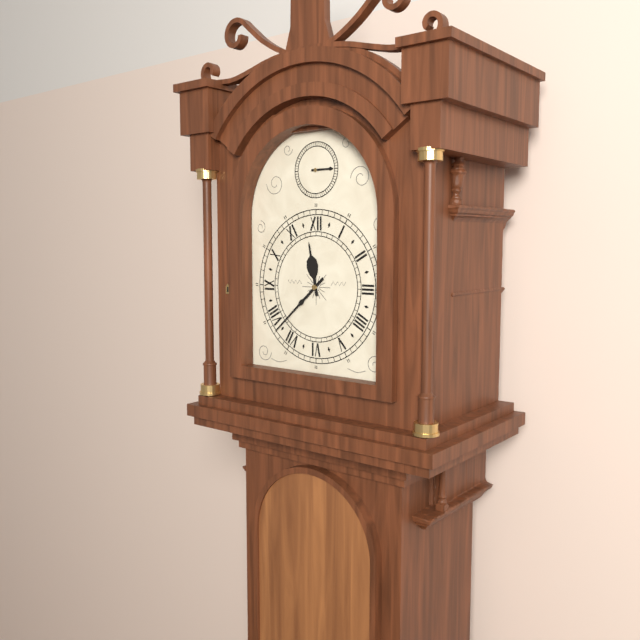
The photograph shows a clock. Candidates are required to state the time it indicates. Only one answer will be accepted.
11:38
